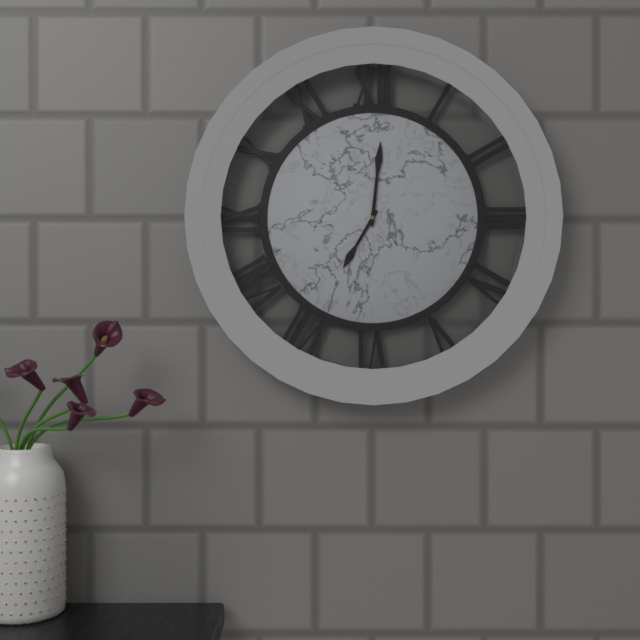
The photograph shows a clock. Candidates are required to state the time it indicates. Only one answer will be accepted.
7:01
